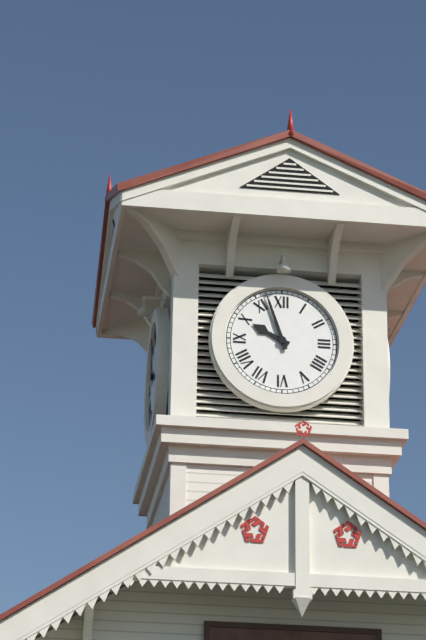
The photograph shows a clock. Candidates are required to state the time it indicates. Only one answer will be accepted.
9:57
